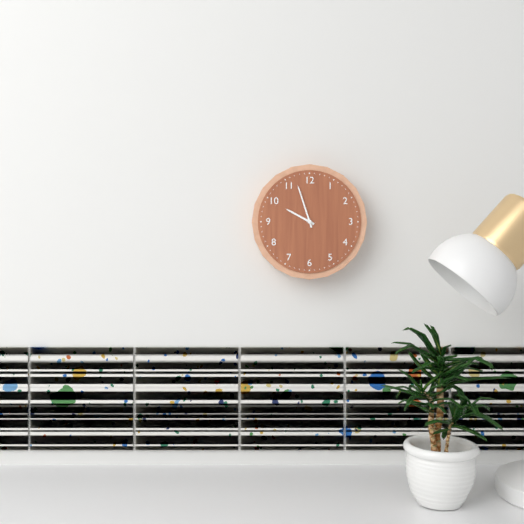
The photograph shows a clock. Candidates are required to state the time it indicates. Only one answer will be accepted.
9:57
